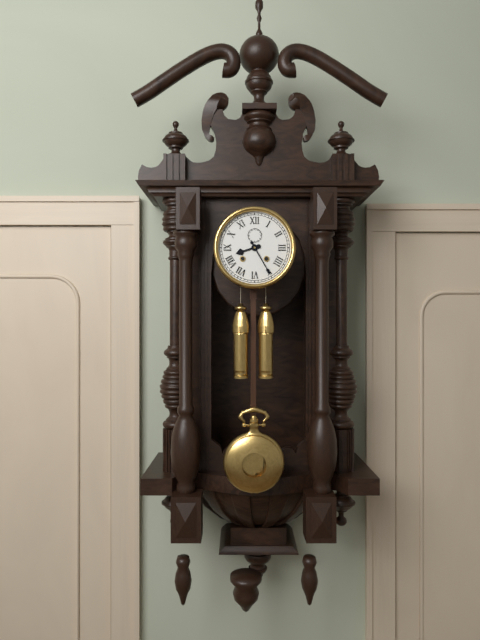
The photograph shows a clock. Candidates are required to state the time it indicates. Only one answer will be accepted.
8:25
